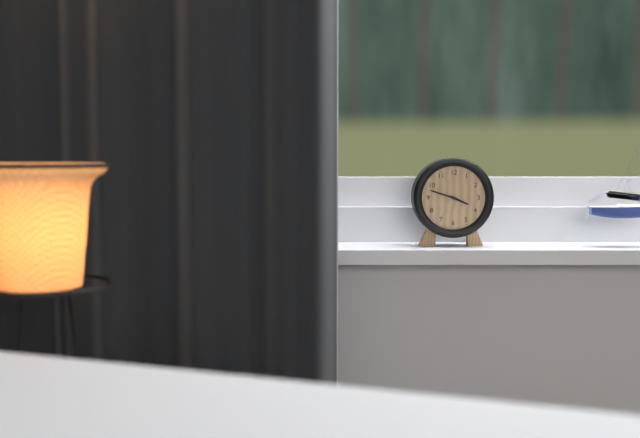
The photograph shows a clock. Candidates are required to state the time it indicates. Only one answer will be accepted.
3:48
